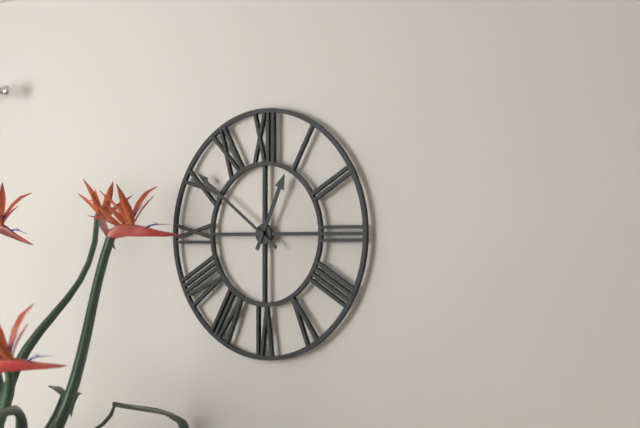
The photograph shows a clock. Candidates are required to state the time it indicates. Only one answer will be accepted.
12:51
